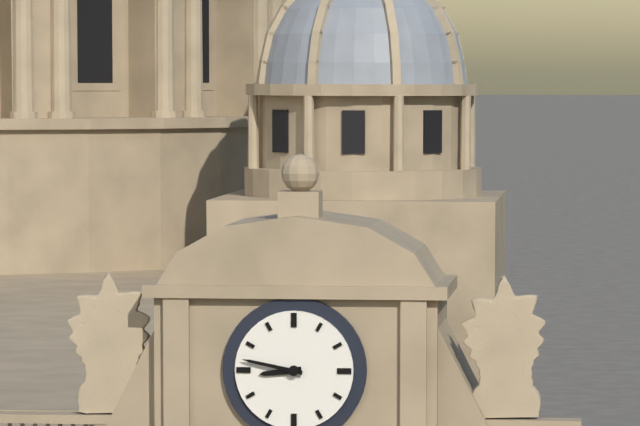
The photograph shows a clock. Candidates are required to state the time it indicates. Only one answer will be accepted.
8:47
